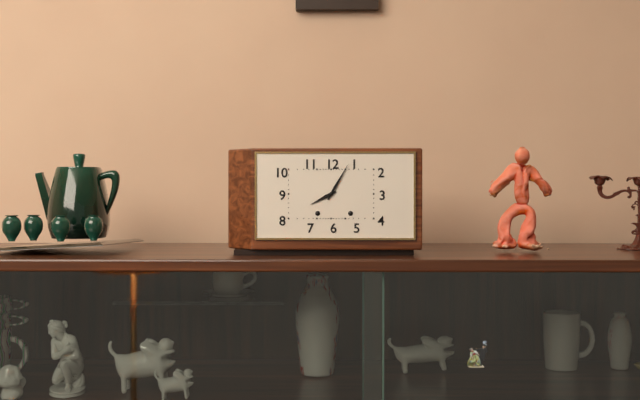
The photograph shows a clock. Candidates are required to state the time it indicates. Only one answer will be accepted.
8:05
